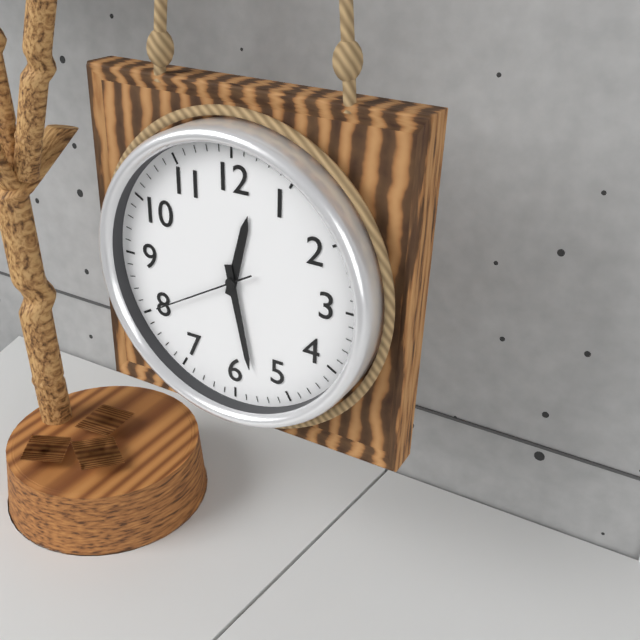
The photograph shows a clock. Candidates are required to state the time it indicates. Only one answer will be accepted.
12:28:40
